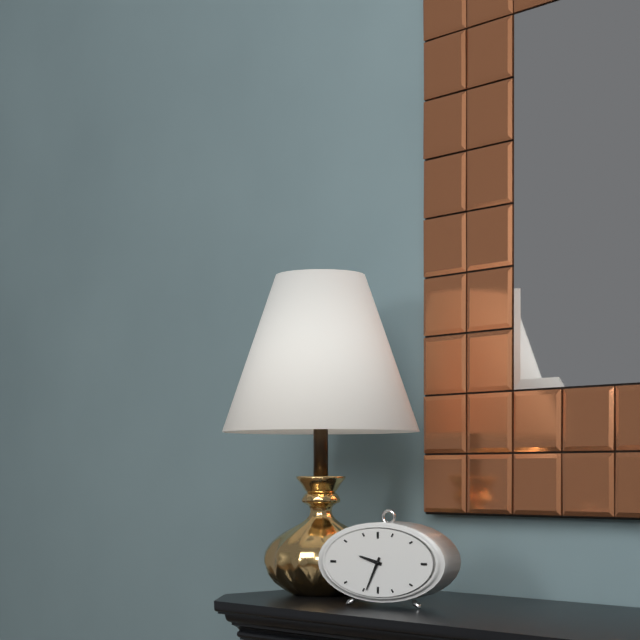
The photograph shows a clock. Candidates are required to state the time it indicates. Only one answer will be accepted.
9:34
